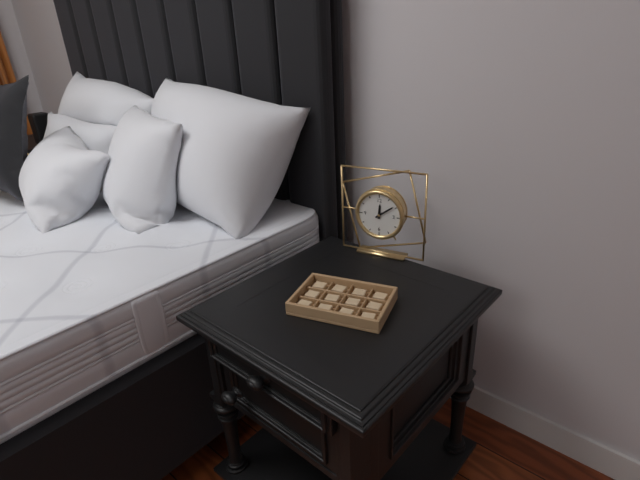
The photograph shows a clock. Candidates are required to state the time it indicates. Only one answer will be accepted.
12:09
